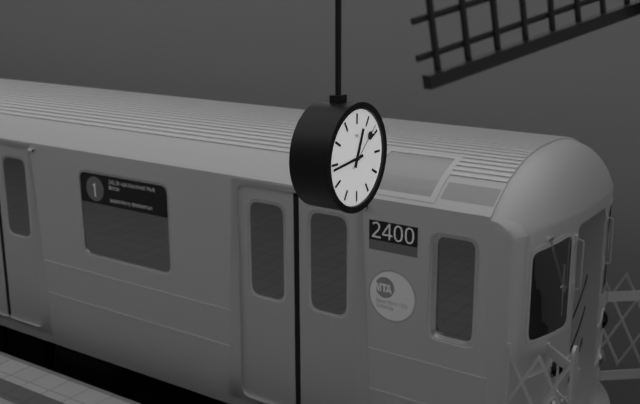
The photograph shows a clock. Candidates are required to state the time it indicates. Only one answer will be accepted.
12:44:08
